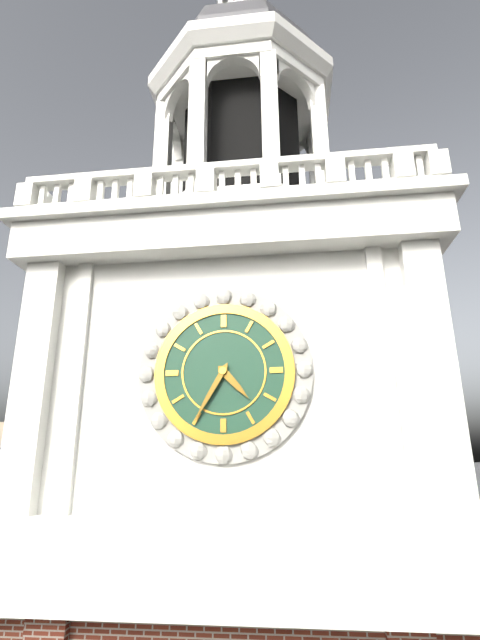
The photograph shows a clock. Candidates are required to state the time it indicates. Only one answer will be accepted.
4:35
